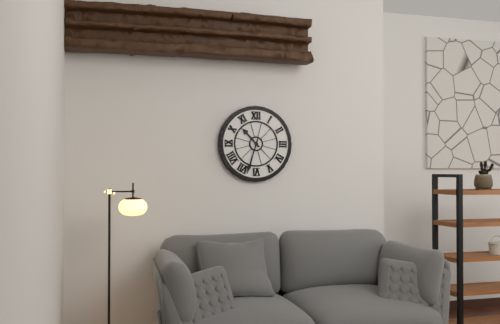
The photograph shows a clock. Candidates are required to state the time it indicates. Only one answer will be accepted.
10:33
